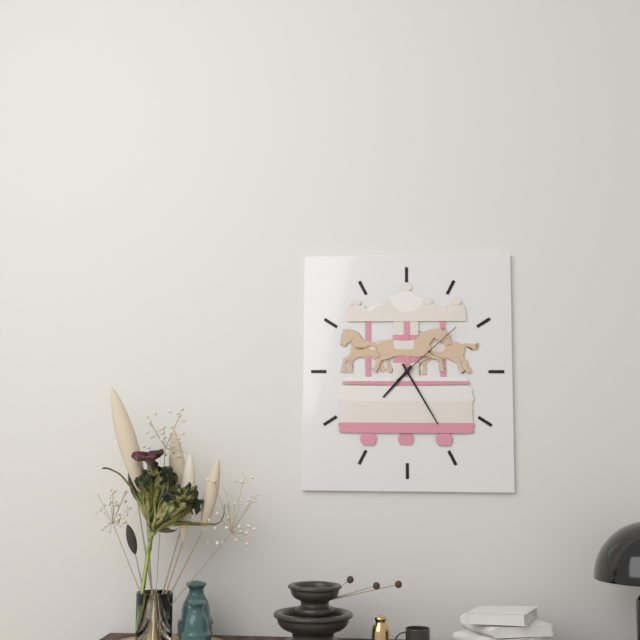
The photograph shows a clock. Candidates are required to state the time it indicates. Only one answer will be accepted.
7:25:08
